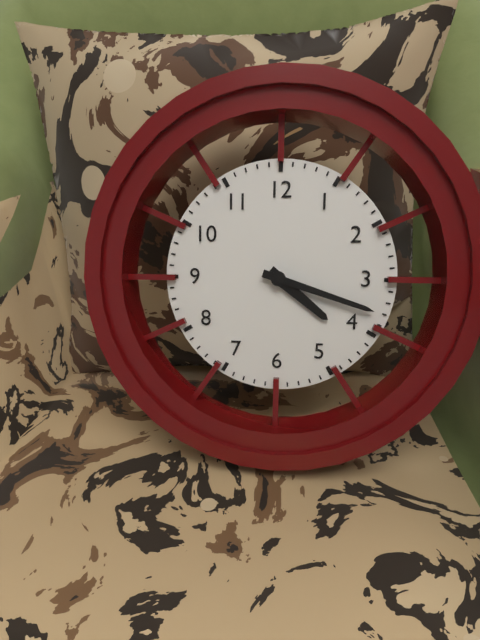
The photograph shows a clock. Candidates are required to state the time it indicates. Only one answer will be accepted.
4:18
